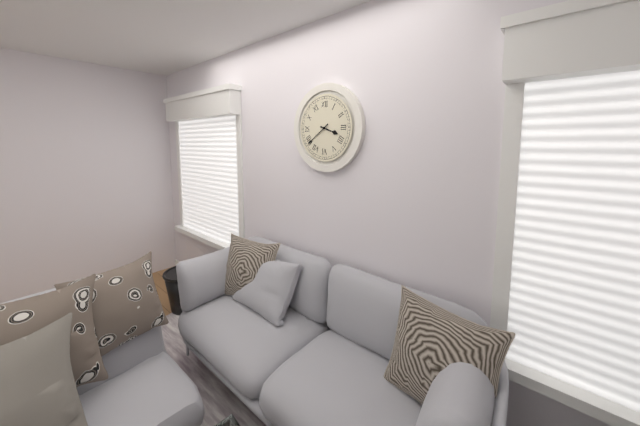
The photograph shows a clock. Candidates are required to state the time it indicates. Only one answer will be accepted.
3:39
